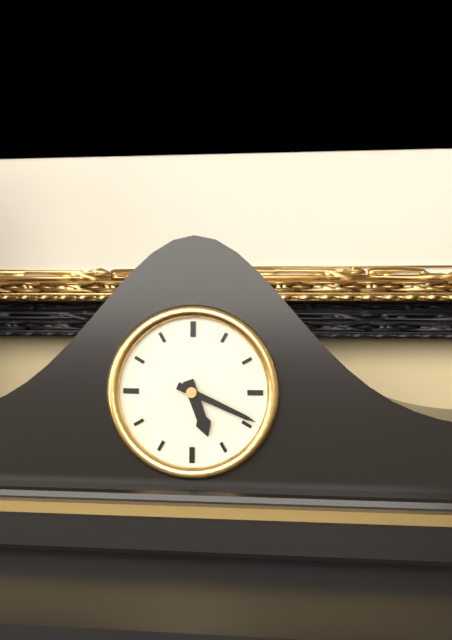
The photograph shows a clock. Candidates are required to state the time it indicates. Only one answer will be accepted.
5:19
